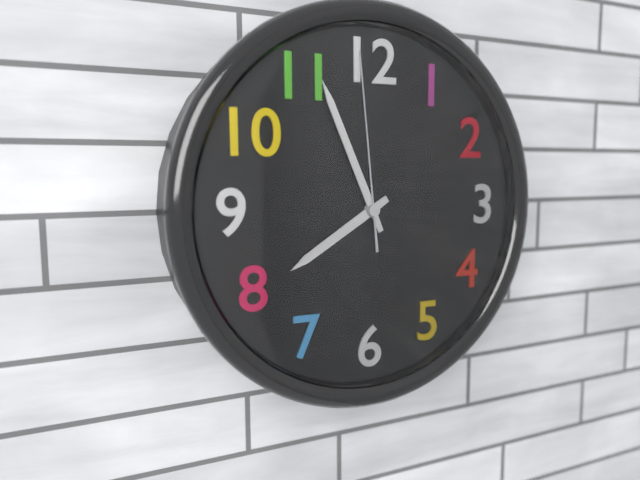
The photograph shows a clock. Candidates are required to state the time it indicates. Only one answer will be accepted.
7:56:59
